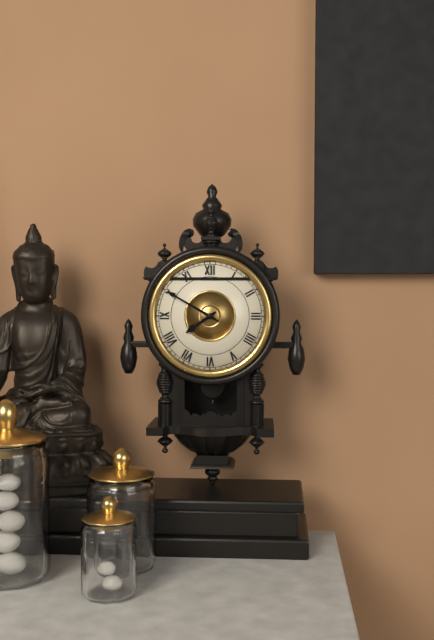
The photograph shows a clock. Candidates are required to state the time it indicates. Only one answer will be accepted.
7:50
